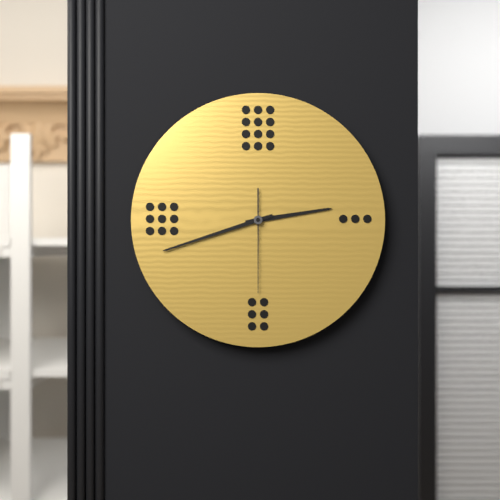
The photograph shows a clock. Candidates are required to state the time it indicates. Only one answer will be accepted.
2:42:30
